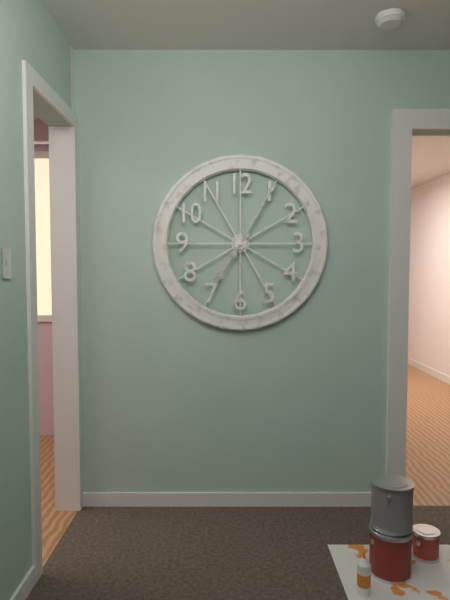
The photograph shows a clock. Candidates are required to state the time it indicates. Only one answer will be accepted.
7:05
